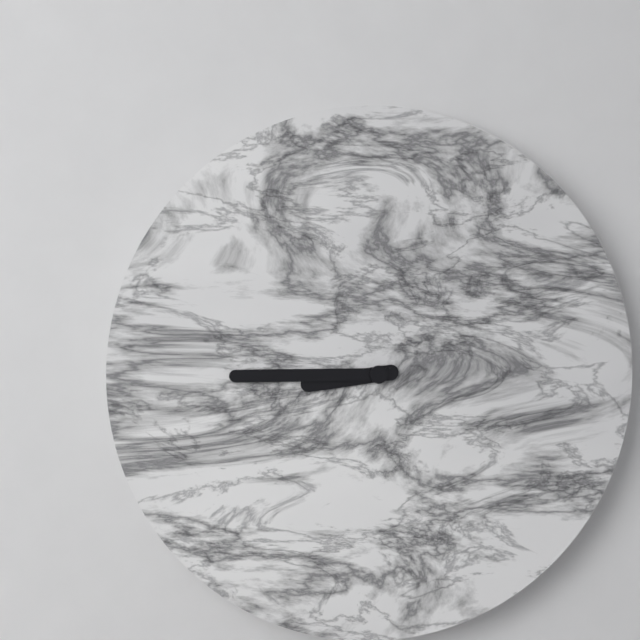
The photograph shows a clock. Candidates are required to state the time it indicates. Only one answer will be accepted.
8:45
